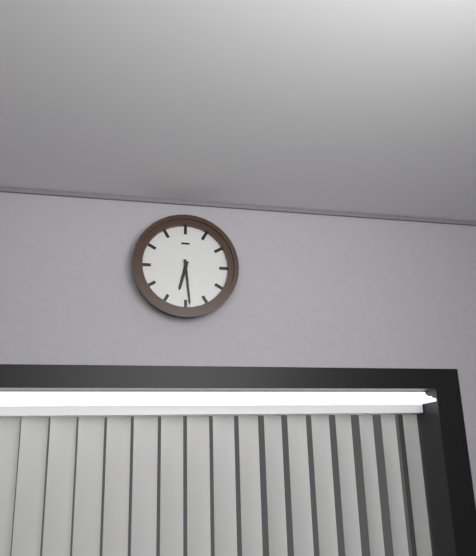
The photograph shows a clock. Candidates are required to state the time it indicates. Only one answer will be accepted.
6:29
